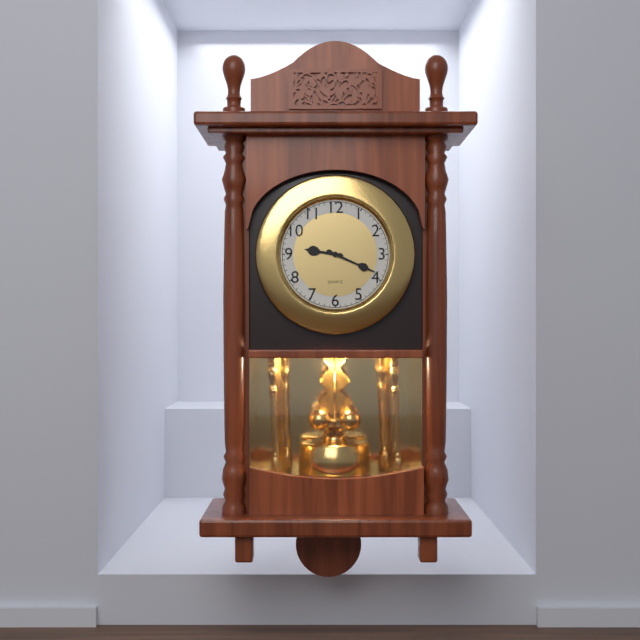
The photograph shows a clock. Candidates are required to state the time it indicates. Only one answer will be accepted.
9:19
